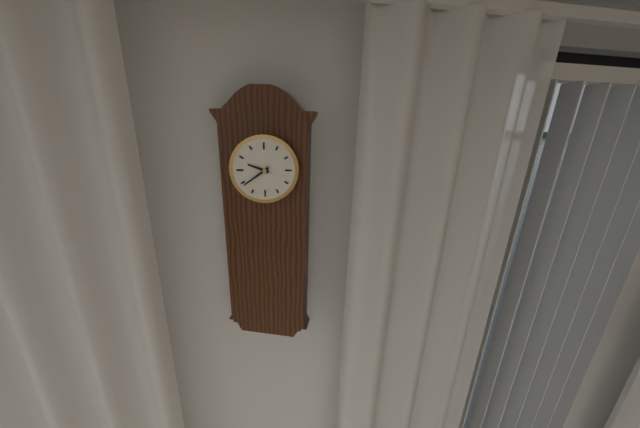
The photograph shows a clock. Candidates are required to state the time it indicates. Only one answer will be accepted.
9:39
